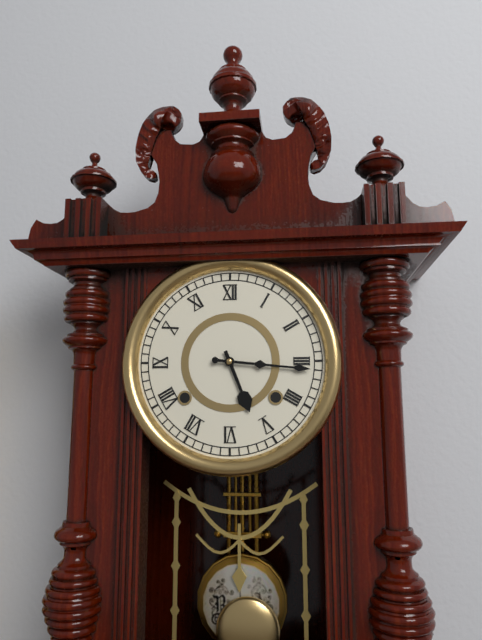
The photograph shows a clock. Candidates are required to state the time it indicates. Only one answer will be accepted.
5:16
